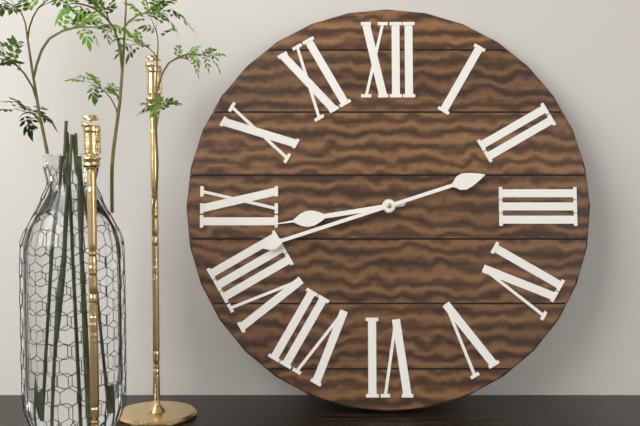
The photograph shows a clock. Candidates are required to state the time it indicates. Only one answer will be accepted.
8:42
